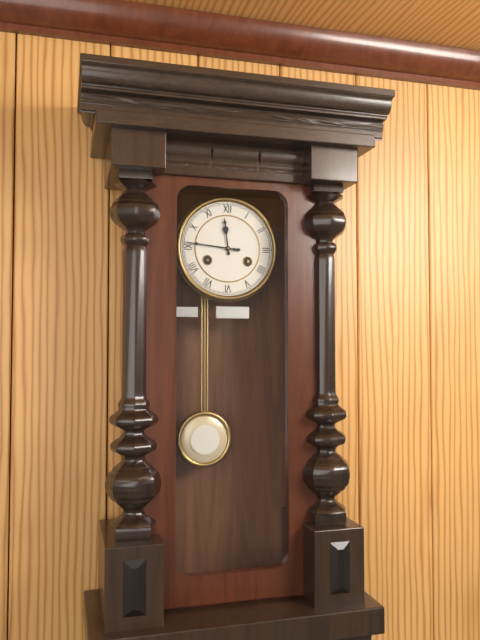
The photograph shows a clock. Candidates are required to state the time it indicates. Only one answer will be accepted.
11:46
